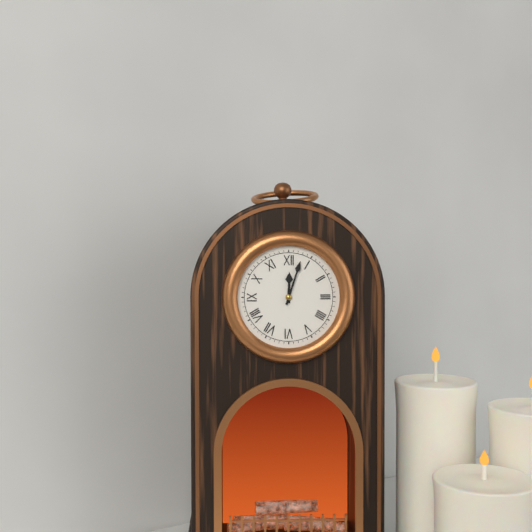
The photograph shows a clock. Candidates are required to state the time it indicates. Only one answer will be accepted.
12:03
